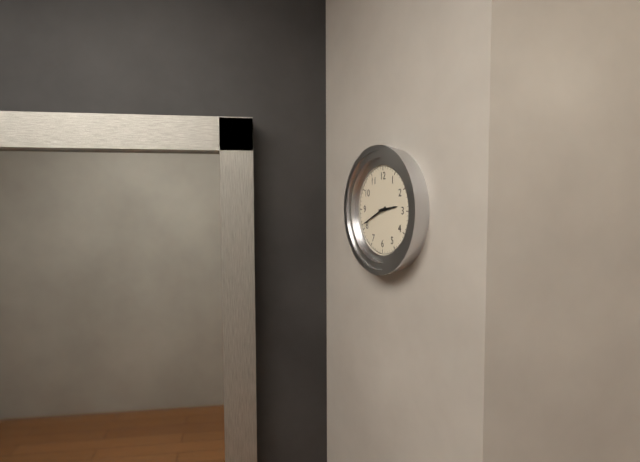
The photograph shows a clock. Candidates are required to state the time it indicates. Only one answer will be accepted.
2:41
